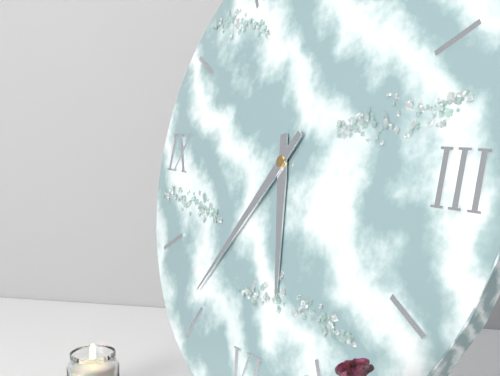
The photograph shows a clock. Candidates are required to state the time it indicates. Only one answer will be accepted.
5:36
